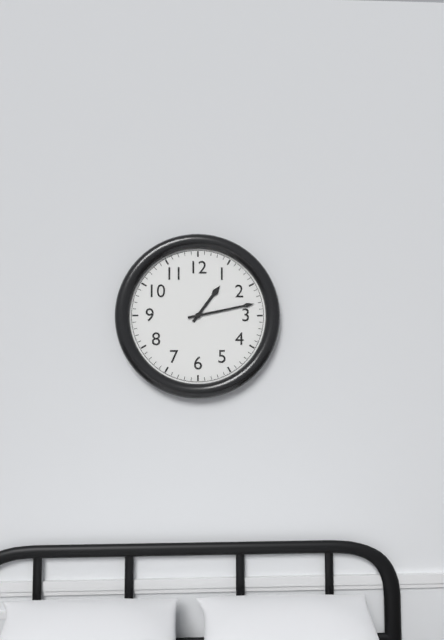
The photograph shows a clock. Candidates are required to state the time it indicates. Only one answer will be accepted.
1:13
